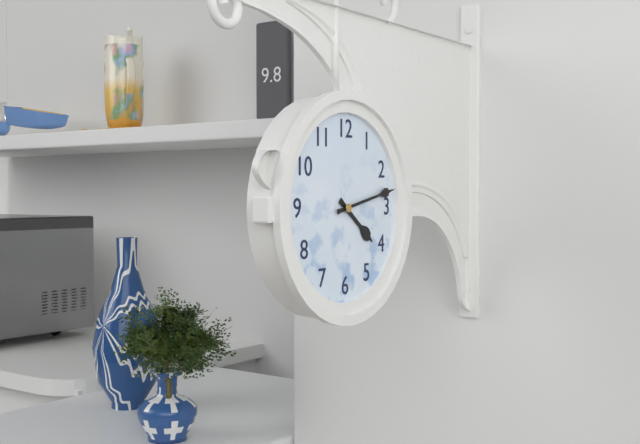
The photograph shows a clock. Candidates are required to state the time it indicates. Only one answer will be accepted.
4:13
